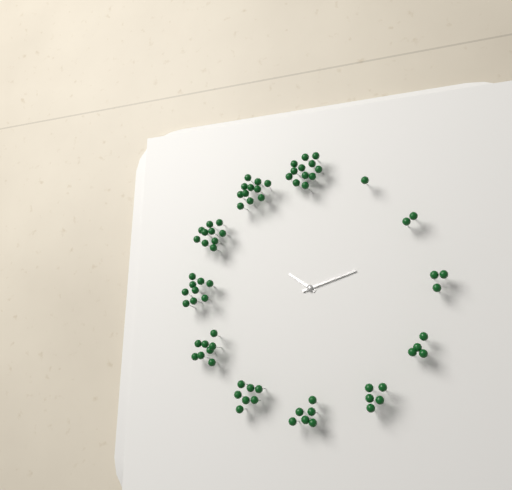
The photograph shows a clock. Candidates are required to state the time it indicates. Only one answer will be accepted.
10:12
